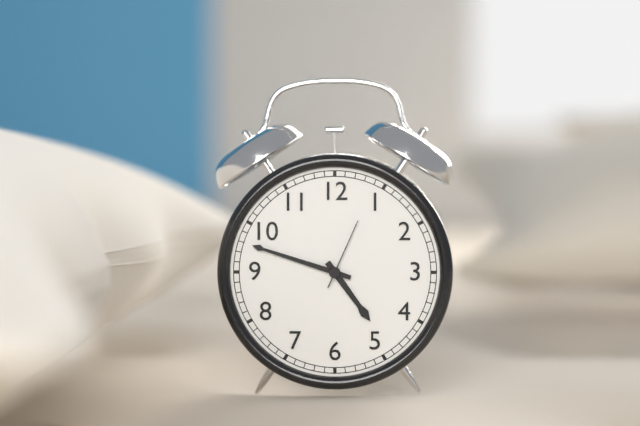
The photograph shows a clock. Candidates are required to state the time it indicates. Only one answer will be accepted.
4:48:04
